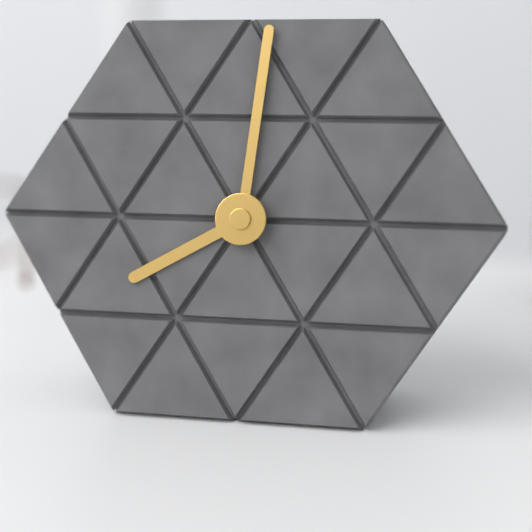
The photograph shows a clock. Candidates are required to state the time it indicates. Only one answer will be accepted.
8:01
